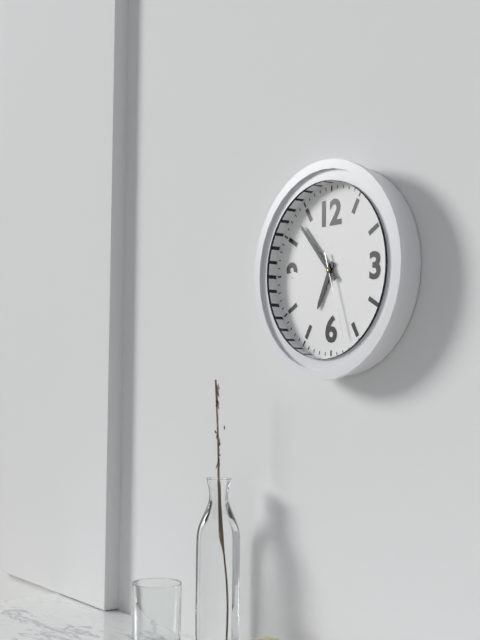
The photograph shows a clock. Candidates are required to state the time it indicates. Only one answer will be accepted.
6:53:27
